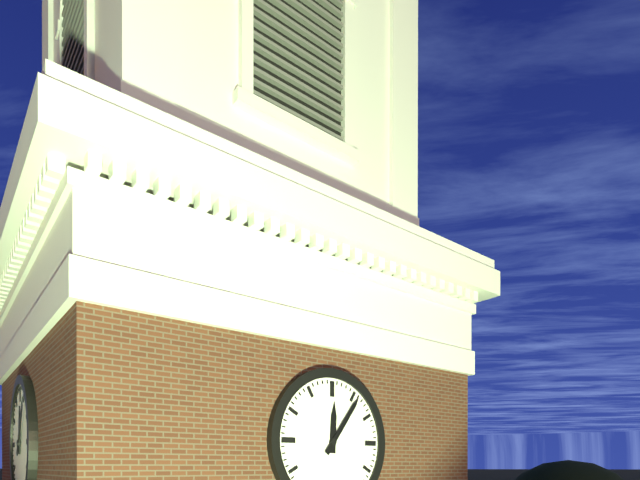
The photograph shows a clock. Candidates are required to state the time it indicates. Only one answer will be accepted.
12:06
